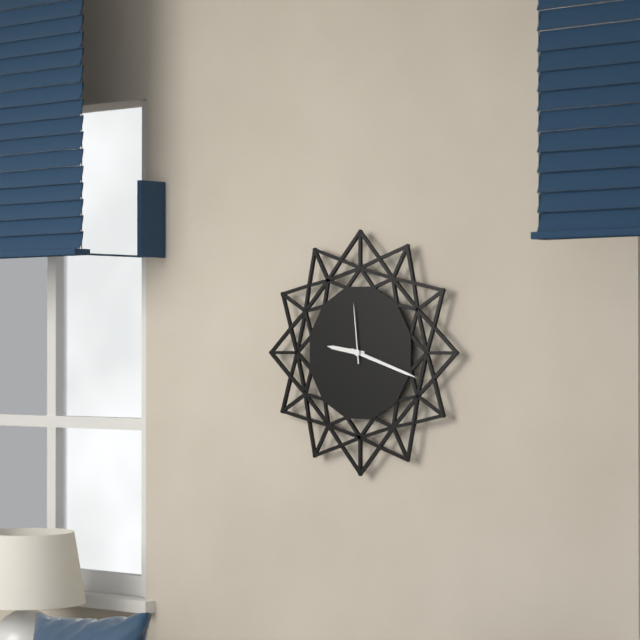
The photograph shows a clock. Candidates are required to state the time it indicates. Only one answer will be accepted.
9:18:59
